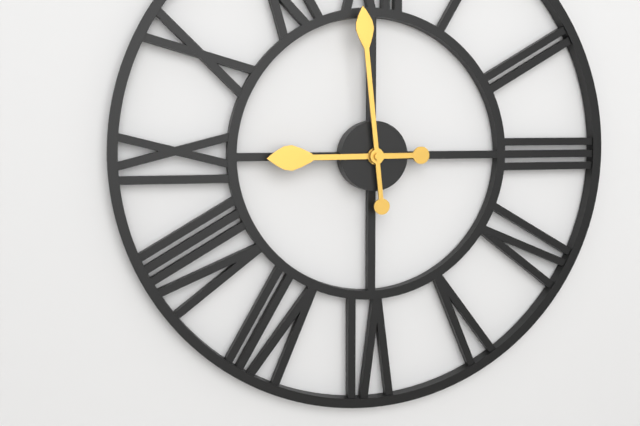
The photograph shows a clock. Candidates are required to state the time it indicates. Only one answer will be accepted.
8:59
